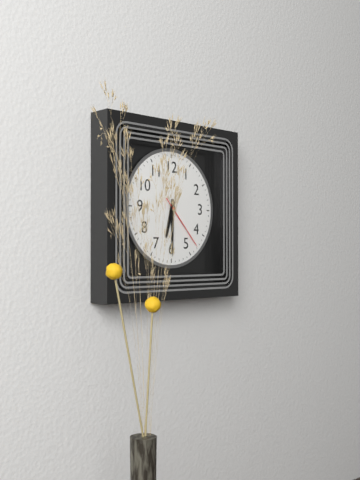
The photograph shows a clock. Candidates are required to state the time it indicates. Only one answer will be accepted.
6:30:23
